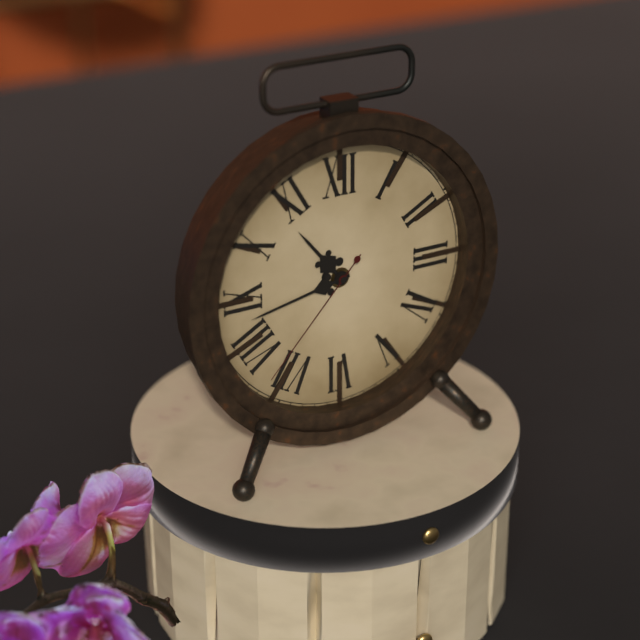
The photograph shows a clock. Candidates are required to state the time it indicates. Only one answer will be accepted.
10:43:37
